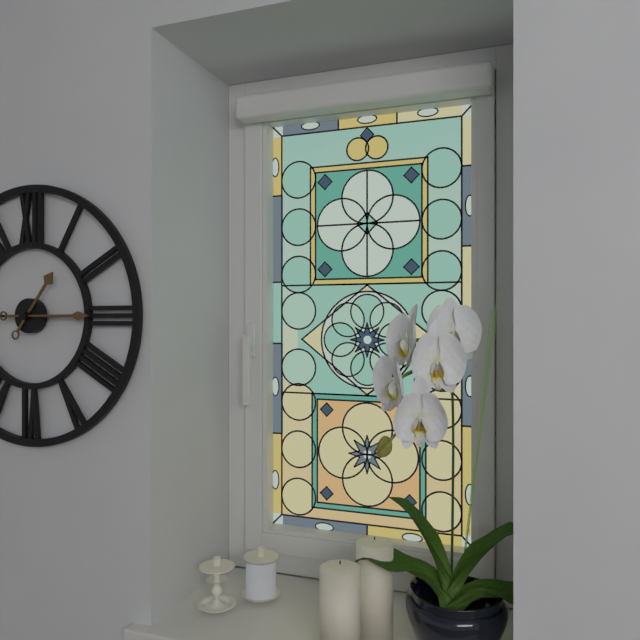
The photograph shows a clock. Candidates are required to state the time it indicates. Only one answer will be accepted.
1:15
